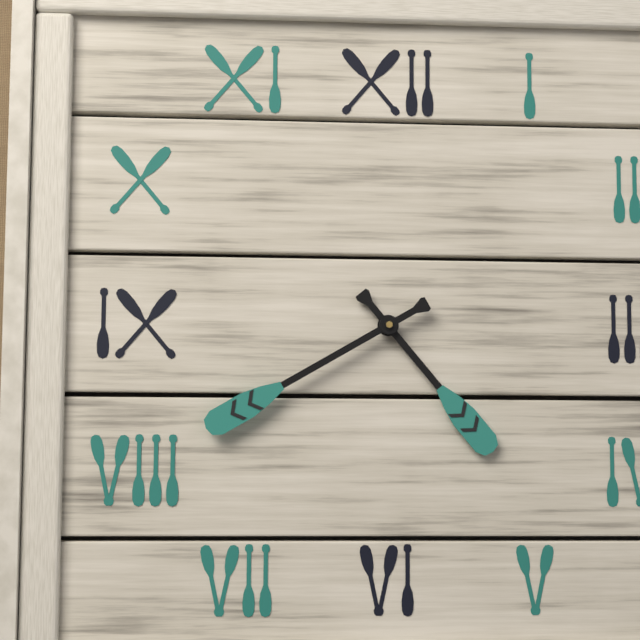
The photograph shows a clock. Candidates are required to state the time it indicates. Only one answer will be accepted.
4:40
